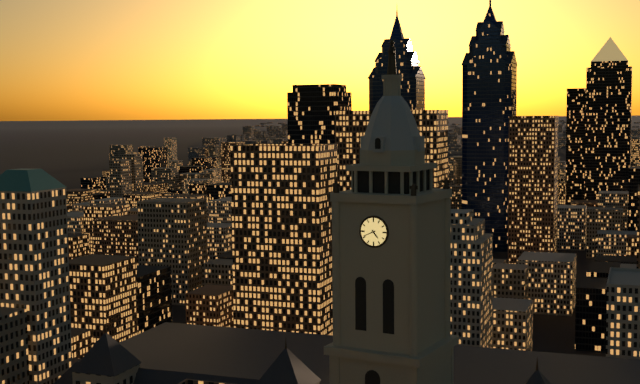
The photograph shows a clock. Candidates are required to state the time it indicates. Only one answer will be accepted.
4:41
